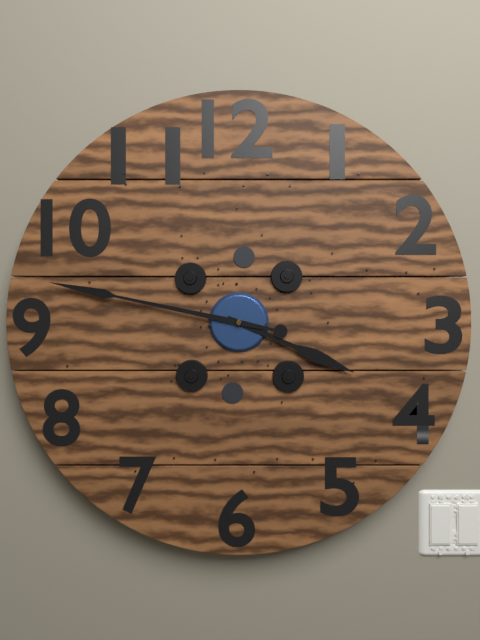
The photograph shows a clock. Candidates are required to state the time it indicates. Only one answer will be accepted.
3:47
